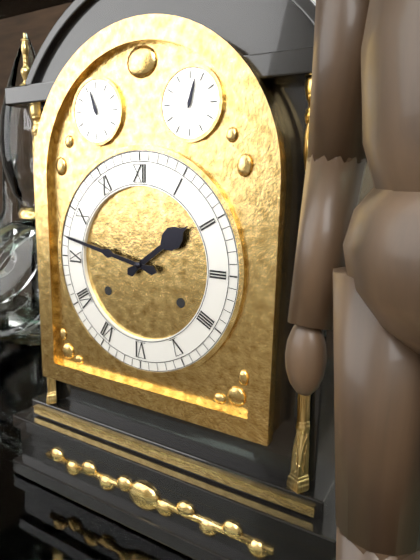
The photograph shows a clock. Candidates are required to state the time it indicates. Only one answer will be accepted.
1:47
